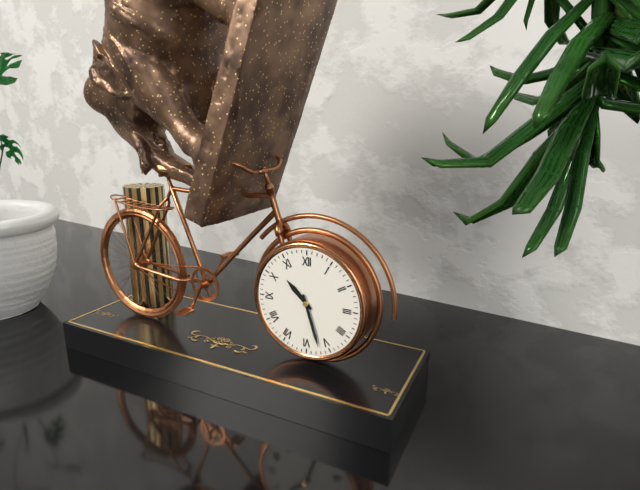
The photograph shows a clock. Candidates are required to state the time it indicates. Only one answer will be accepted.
10:27
